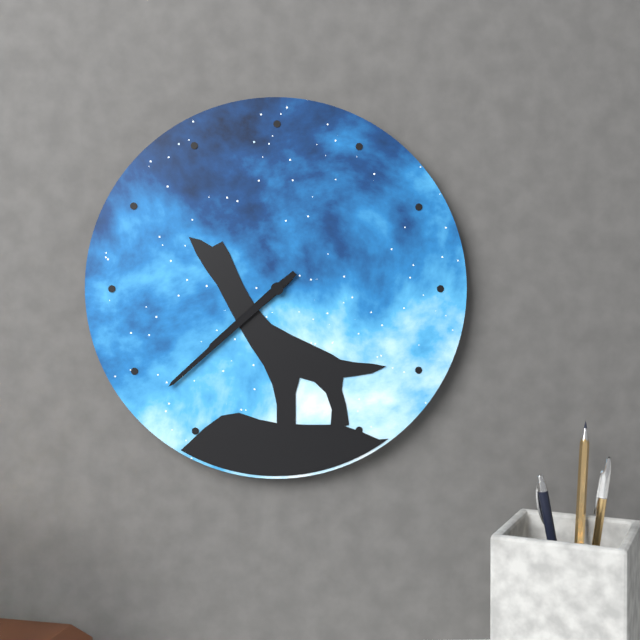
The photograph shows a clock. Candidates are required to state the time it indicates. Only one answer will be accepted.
7:38
